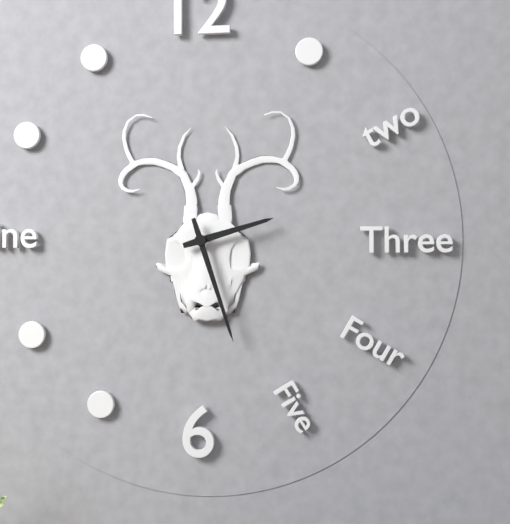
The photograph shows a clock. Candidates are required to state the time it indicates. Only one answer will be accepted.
2:27
